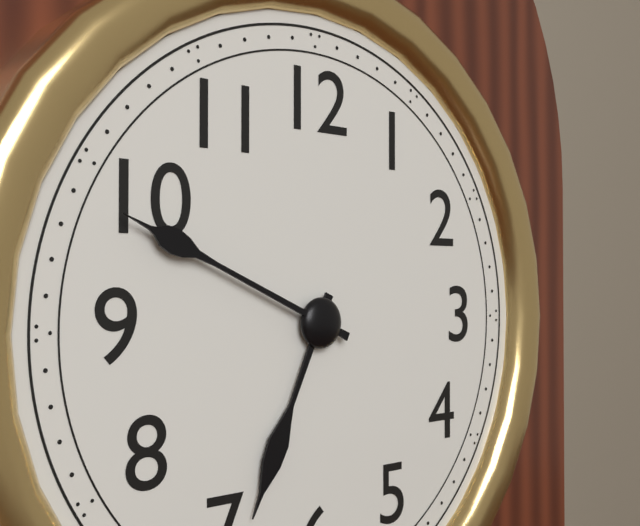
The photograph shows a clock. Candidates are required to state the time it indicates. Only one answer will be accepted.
6:49
